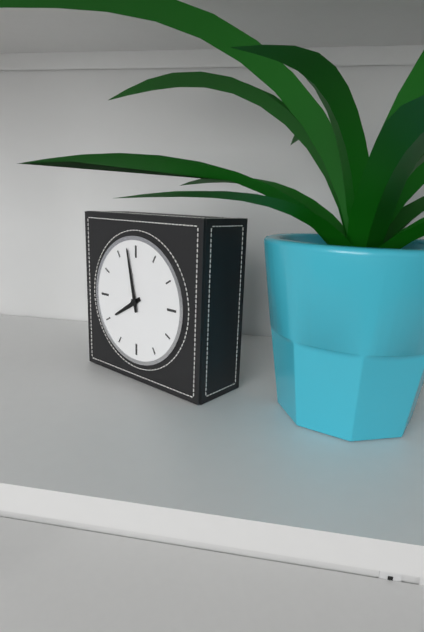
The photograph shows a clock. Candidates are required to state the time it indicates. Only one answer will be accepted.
7:58
